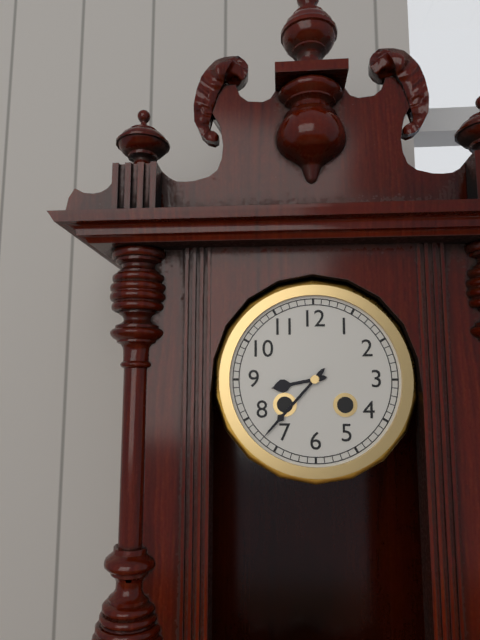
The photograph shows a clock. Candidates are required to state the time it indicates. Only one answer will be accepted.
8:37
